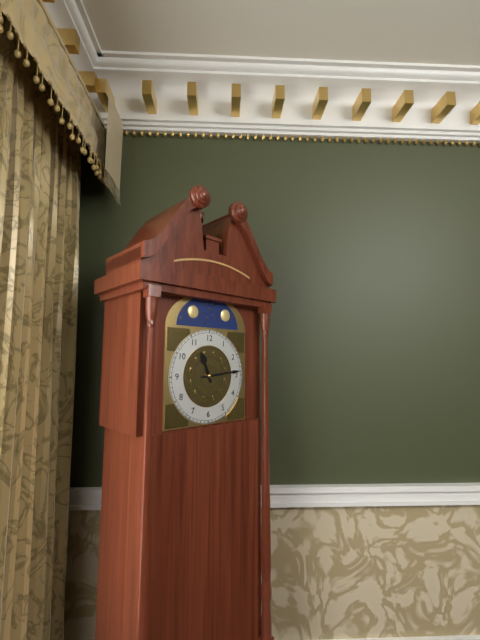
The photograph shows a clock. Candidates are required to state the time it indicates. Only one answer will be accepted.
11:14
